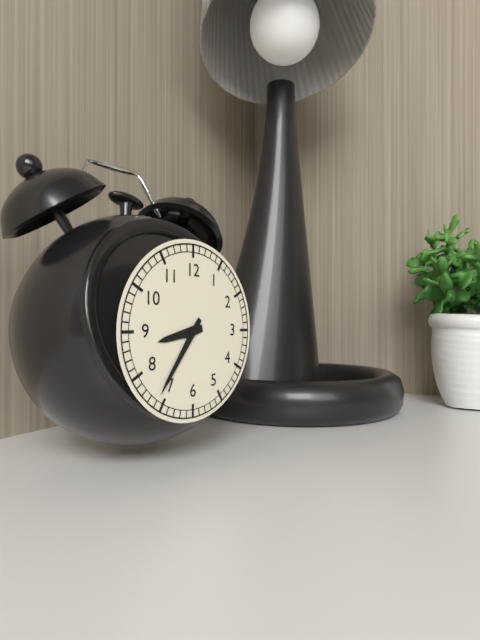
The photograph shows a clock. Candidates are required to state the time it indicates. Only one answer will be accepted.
8:36
